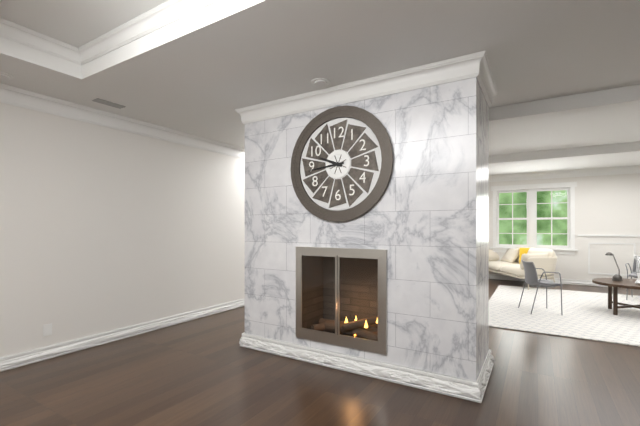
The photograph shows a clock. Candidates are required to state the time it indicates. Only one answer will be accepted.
9:44
